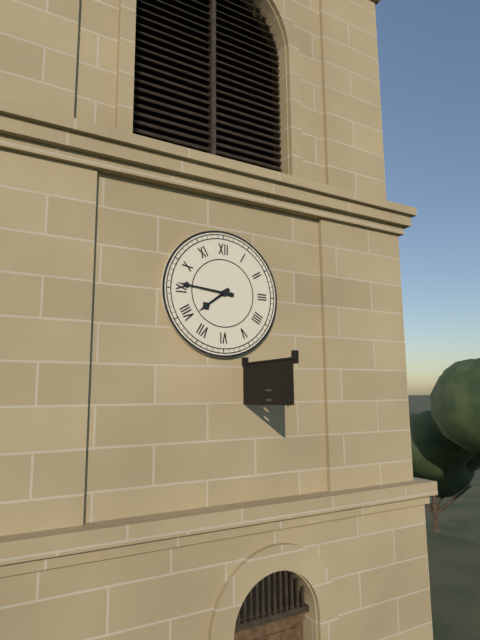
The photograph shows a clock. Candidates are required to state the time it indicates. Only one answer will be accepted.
7:46
